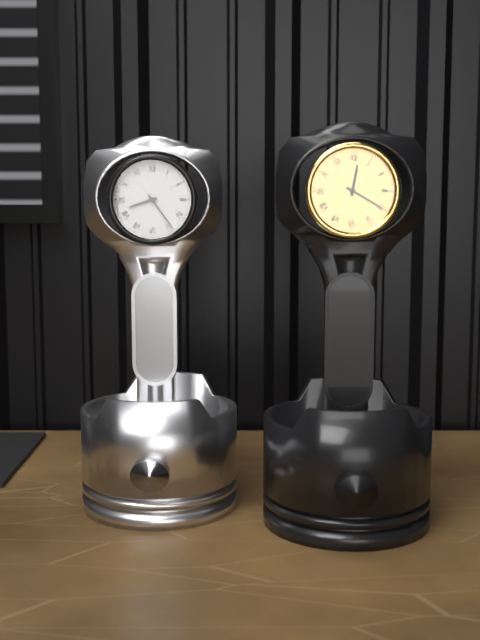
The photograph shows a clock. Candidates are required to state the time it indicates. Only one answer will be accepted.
8:24
